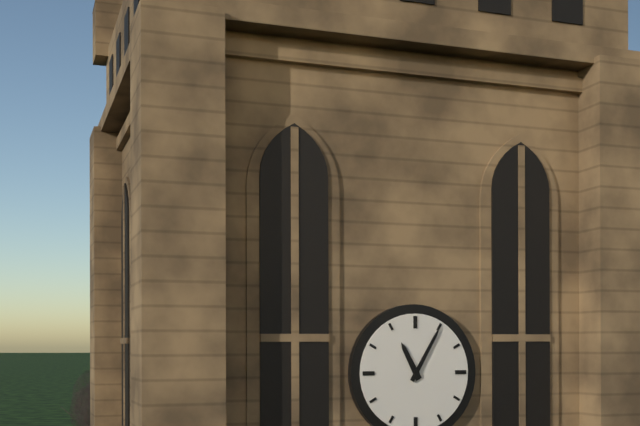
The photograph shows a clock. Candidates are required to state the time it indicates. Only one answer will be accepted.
11:05
